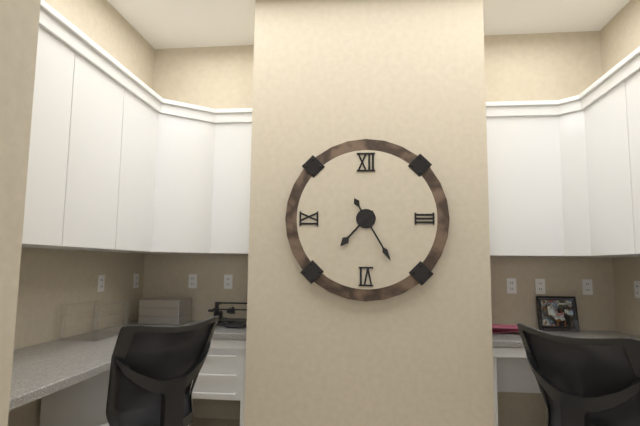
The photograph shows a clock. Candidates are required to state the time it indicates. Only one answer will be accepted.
7:25
